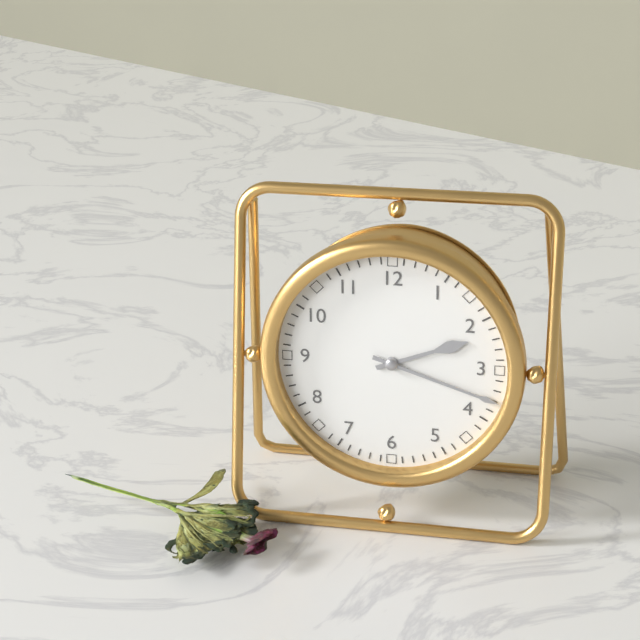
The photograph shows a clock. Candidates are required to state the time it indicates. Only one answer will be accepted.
2:18
